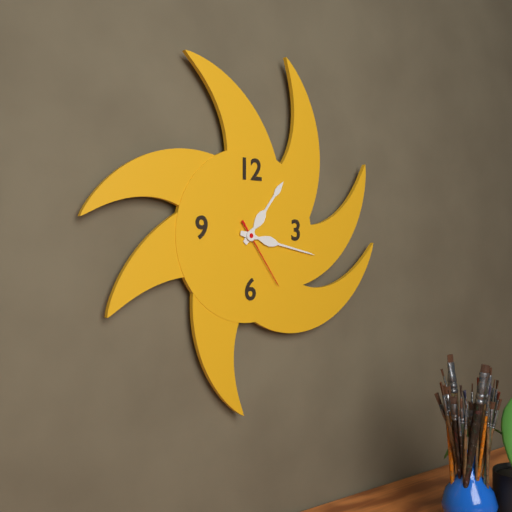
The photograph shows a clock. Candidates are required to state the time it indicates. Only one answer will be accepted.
1:17:24
